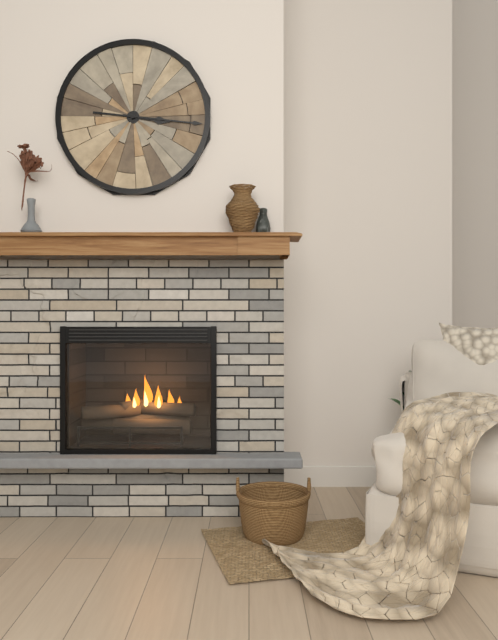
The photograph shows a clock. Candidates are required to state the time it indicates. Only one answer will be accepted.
3:16
